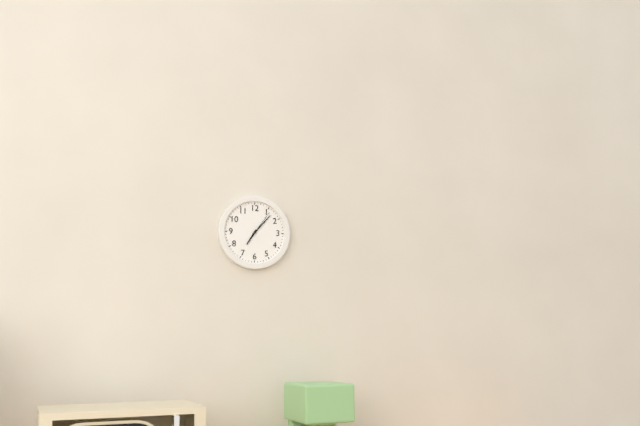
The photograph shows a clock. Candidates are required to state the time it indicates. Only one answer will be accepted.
7:07
